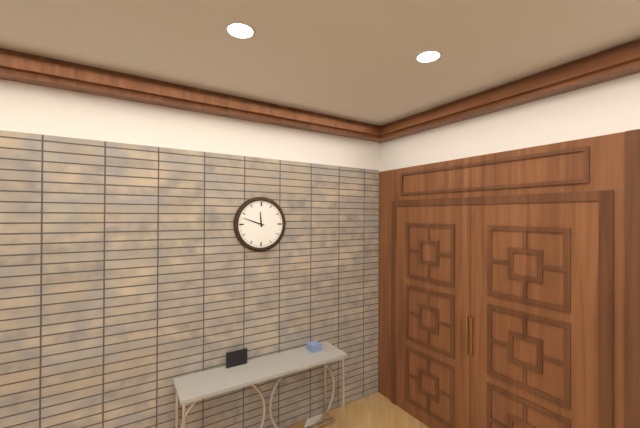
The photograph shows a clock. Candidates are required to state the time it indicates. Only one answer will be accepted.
11:48
